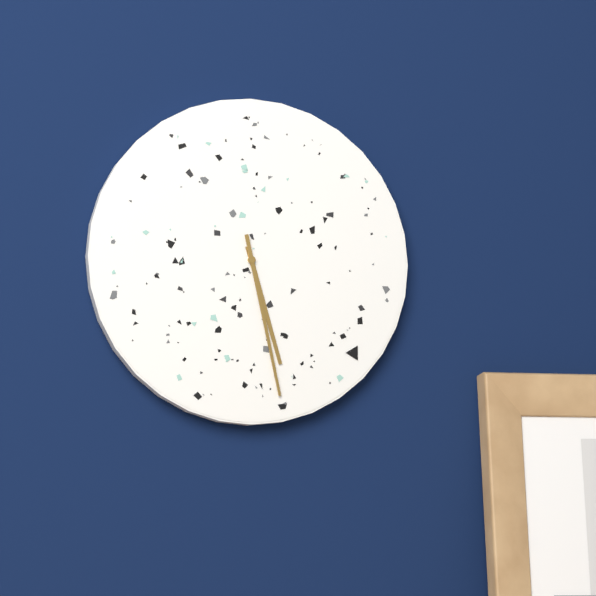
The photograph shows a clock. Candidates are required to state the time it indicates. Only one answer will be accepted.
5:28
